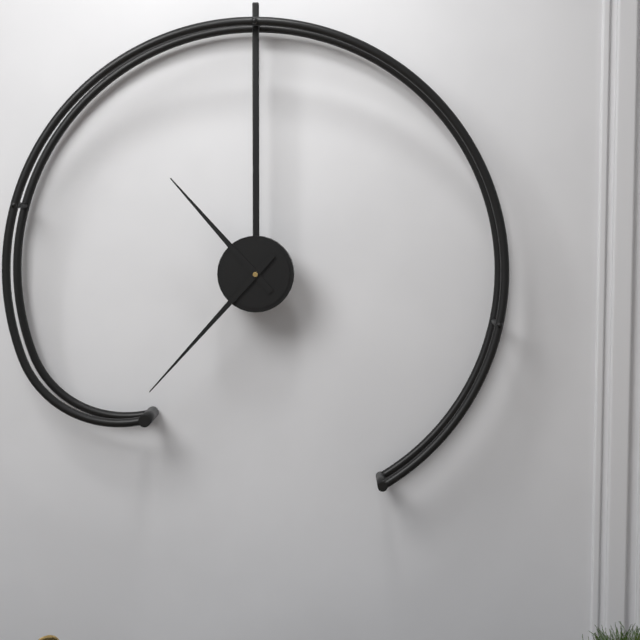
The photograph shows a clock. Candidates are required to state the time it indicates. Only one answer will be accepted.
10:37
